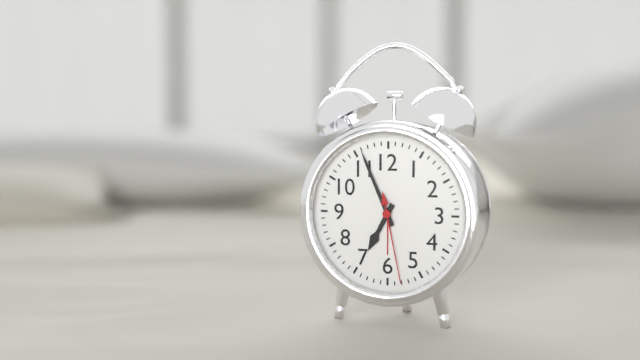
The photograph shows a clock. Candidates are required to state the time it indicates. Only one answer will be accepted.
6:56:28
